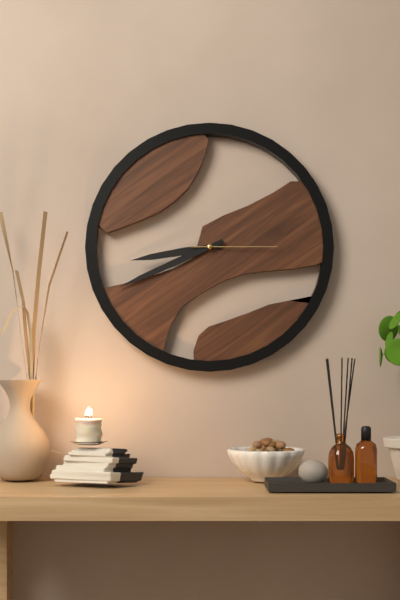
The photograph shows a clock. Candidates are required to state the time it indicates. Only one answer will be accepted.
8:41:15
